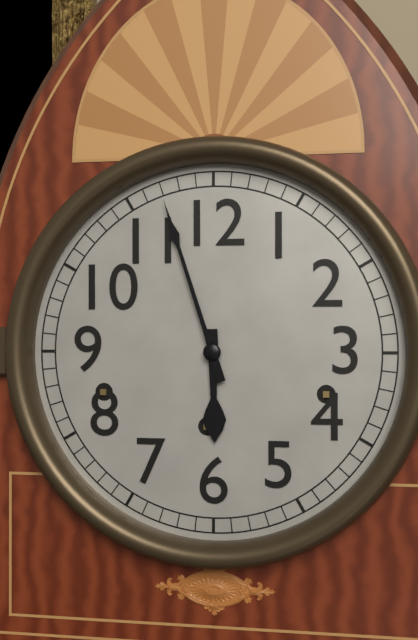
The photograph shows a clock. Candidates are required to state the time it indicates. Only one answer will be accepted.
5:57
